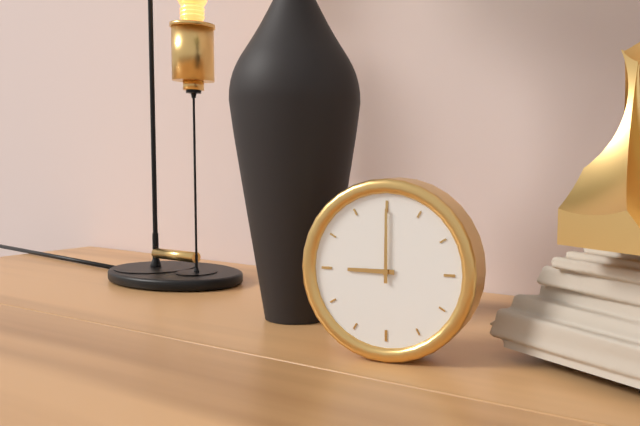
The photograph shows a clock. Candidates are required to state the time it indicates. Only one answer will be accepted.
9:00
